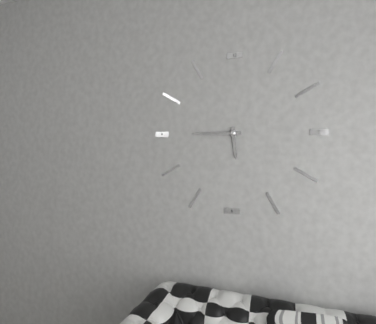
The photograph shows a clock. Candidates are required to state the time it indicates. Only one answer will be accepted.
5:45
